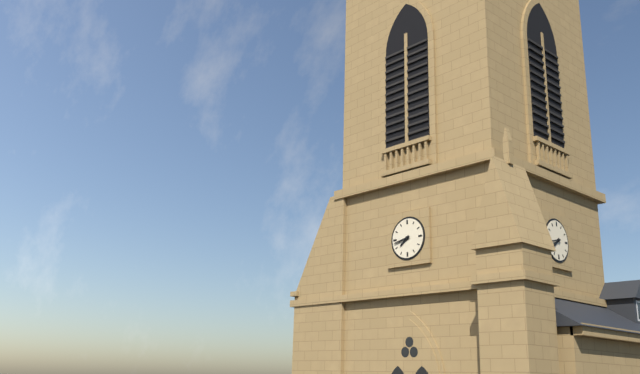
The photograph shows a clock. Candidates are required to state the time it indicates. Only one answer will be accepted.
7:43
